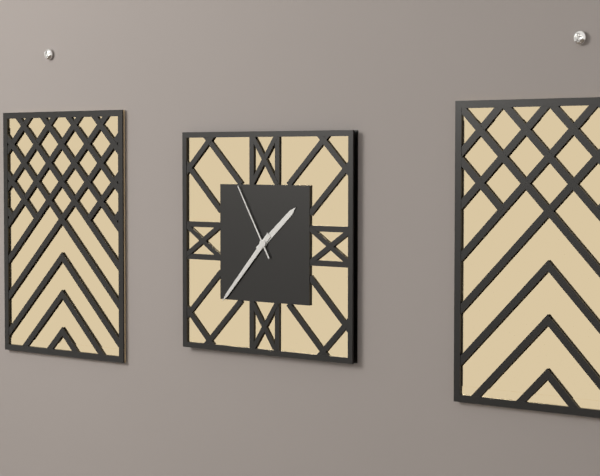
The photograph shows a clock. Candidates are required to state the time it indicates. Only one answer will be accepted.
1:37:55
